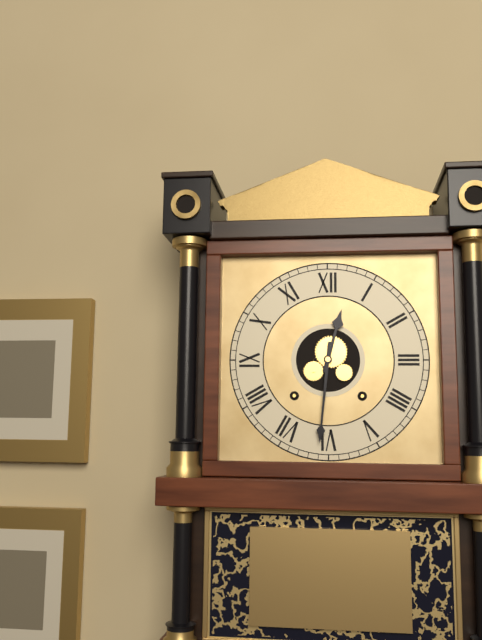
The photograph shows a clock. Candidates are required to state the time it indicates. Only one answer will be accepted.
12:31
